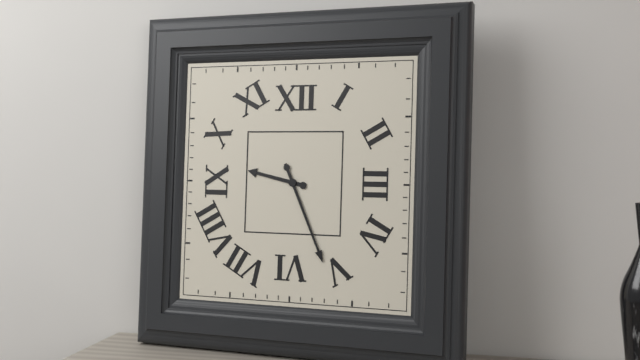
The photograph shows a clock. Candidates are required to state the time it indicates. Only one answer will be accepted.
9:26
